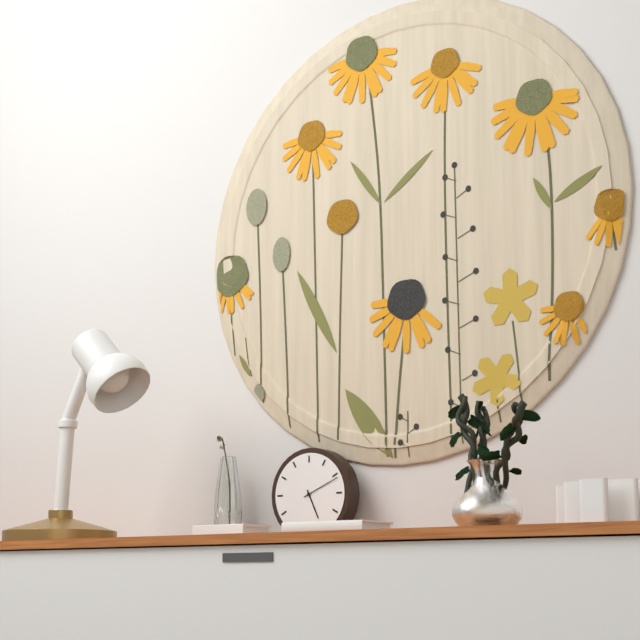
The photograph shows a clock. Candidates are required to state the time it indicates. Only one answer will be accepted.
5:11
